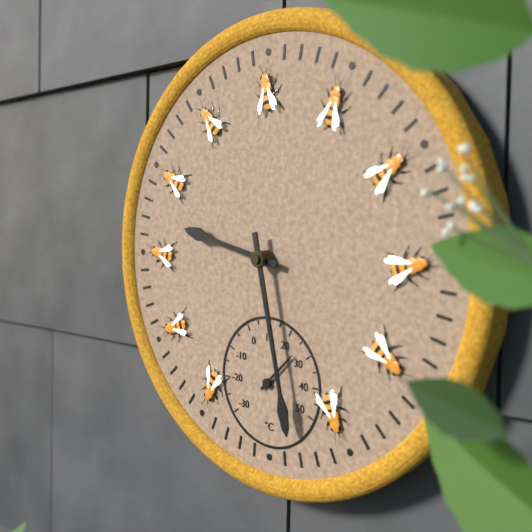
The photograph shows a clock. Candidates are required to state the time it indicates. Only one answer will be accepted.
9:28
